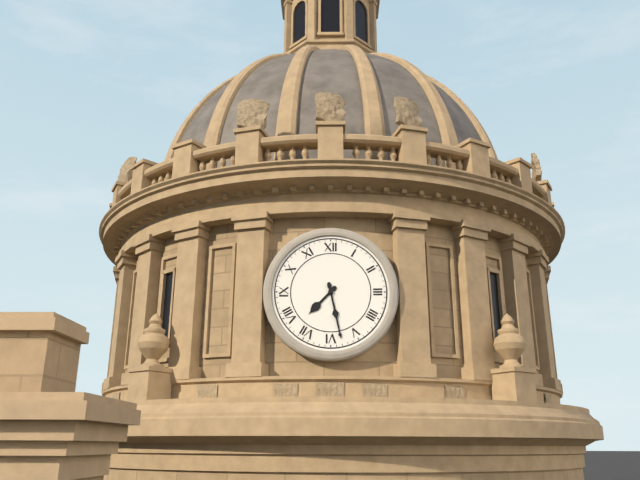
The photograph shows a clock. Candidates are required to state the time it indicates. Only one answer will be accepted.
7:28
